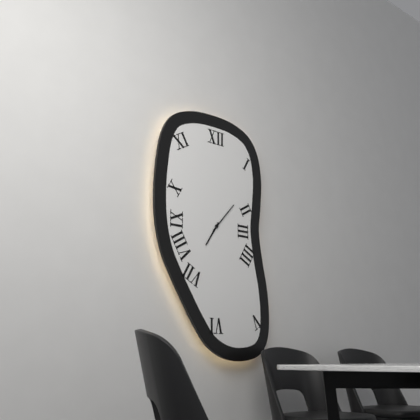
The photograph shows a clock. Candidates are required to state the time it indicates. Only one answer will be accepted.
7:07
